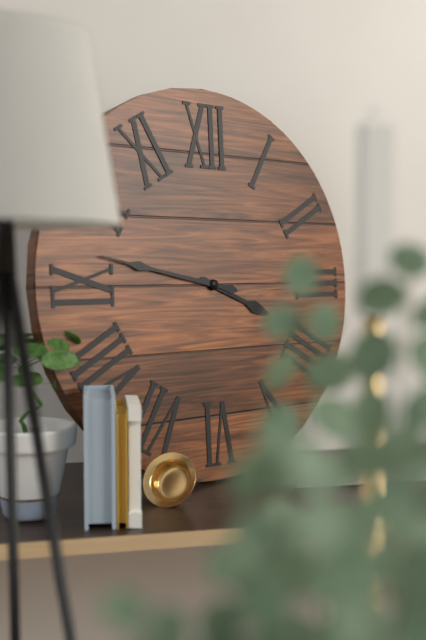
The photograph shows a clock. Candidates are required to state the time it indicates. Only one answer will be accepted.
3:47
